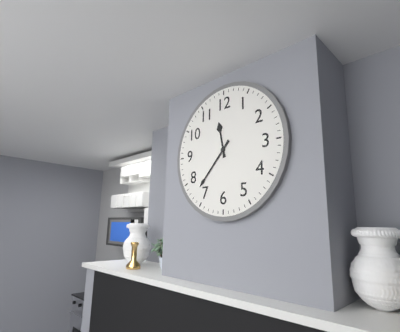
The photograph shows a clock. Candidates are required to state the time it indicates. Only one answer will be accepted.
11:37
